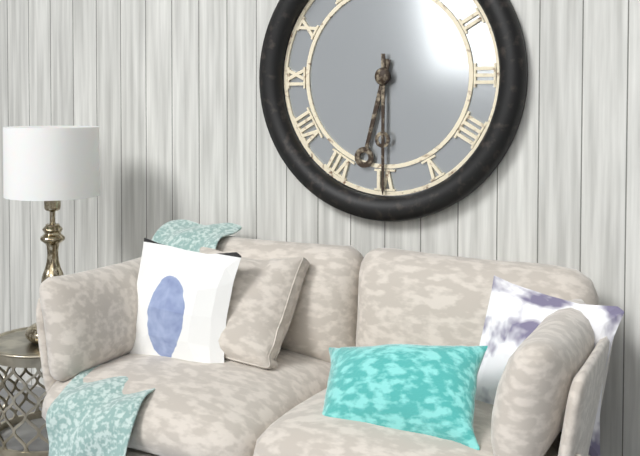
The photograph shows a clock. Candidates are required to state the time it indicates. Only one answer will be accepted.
6:30
